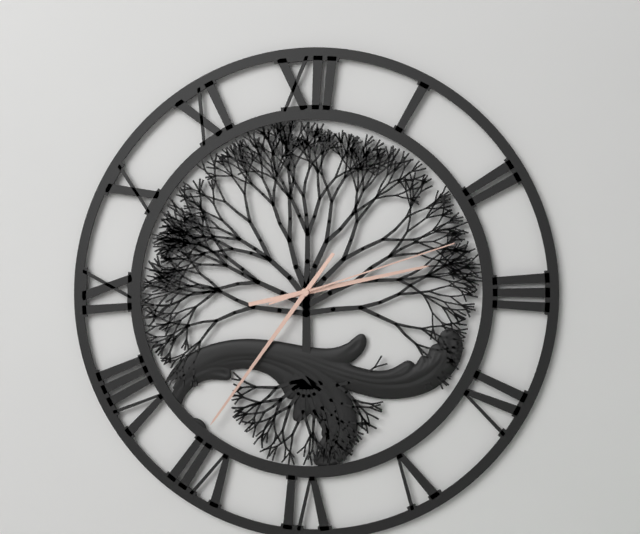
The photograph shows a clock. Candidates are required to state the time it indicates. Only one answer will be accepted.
2:36:12
